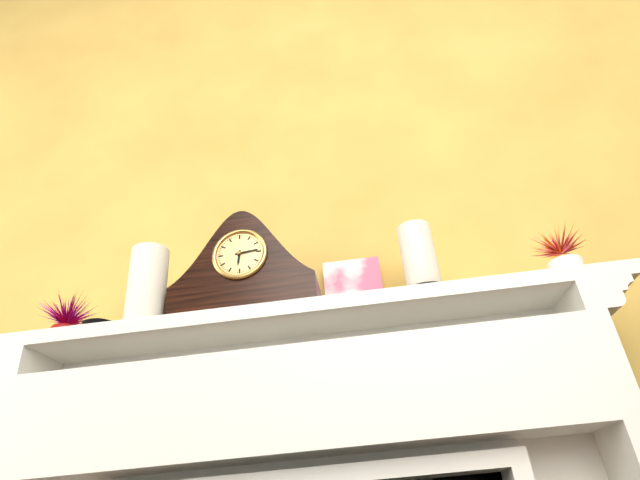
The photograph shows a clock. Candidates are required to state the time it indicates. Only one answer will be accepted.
6:14
